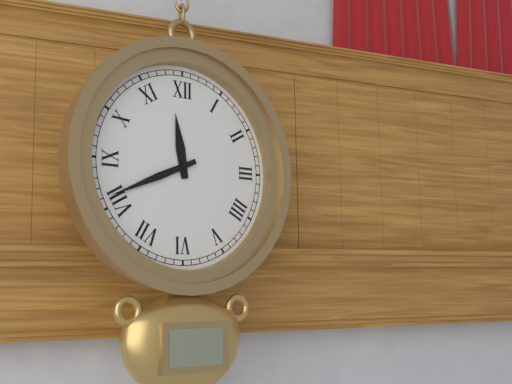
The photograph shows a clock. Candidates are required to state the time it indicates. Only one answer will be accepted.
11:41
